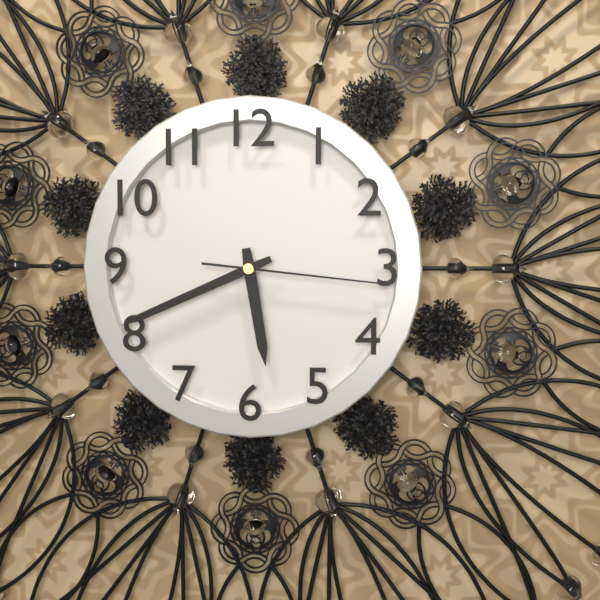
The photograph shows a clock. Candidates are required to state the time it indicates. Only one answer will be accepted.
5:41:16
